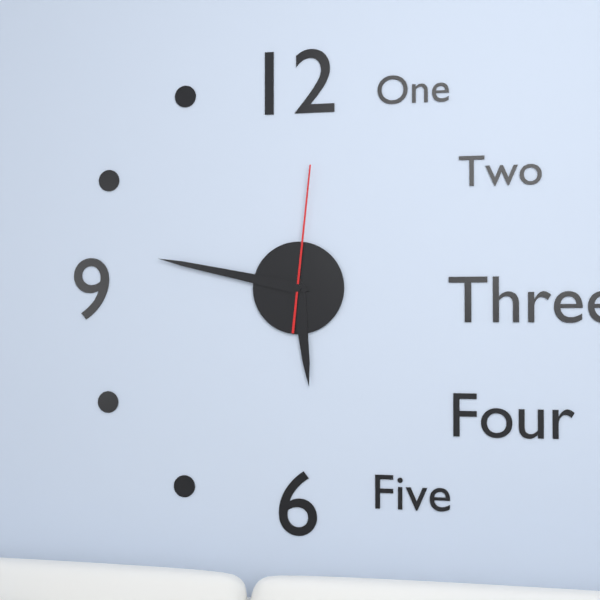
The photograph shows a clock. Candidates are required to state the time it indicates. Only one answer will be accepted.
5:47:01
